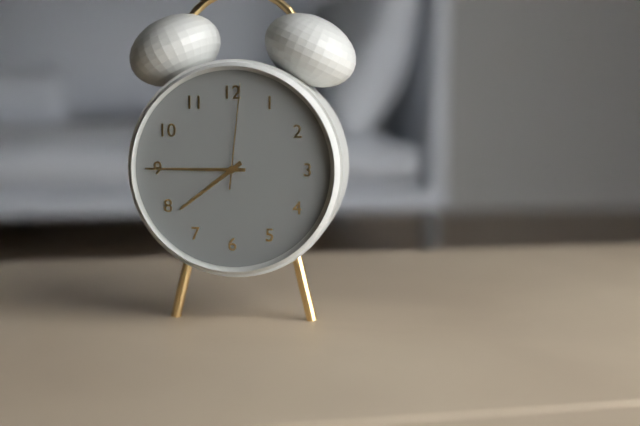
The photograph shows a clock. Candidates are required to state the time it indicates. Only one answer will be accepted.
7:45:01
